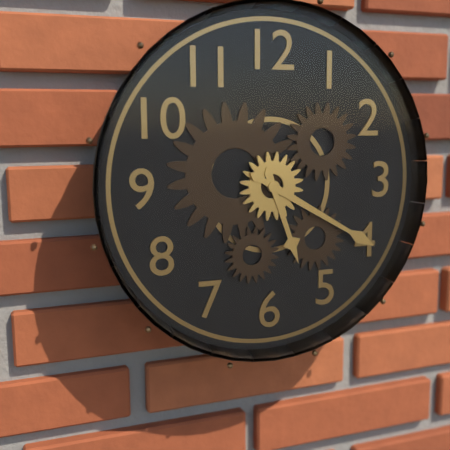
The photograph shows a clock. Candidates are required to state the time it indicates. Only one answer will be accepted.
5:20
